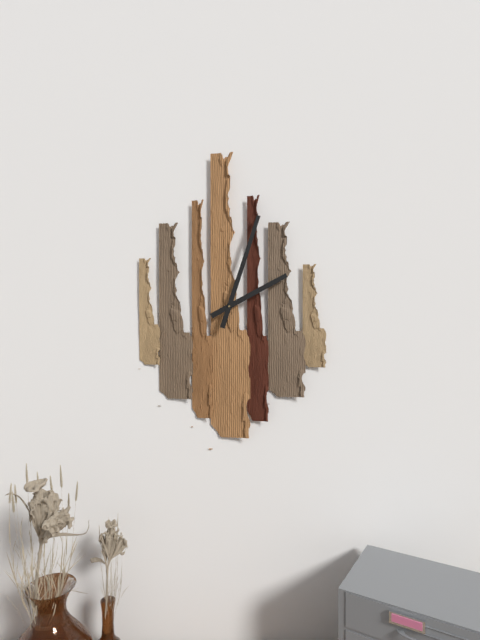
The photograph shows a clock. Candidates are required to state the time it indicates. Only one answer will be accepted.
2:03
